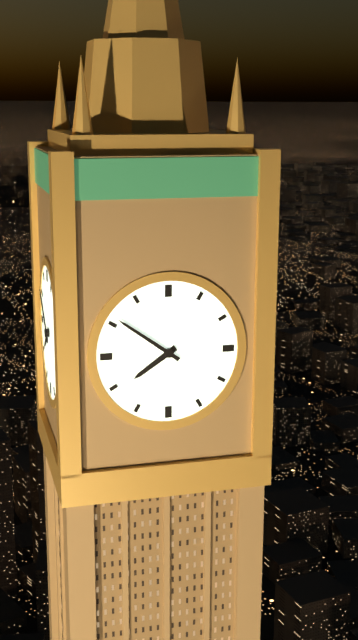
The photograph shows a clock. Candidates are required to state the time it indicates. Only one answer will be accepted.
7:51
